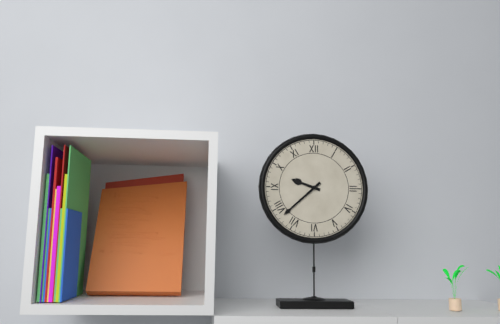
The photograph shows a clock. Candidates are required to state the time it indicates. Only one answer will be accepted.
9:38
